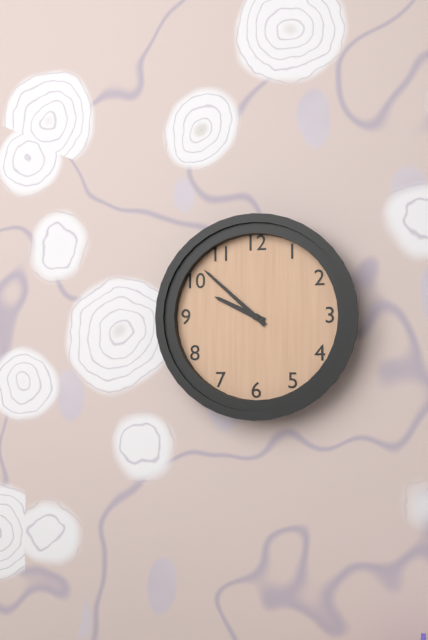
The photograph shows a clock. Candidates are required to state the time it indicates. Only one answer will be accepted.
9:52
